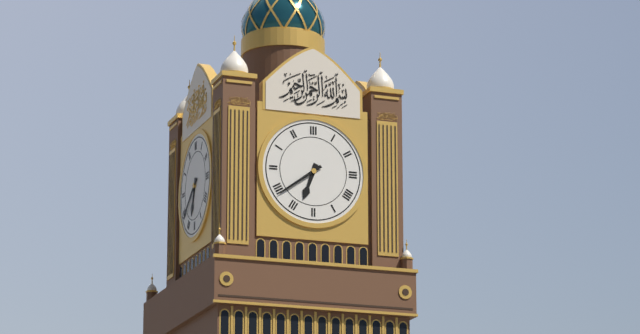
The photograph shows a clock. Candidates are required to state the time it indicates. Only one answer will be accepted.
6:39
